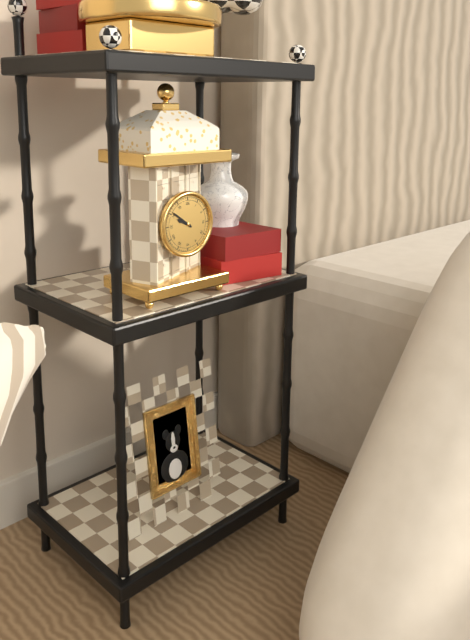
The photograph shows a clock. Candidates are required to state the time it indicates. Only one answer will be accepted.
9:51
